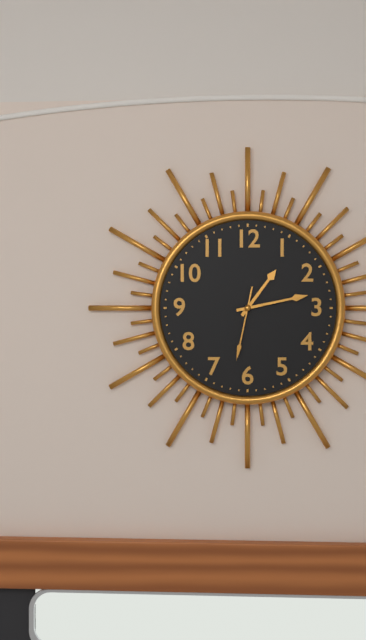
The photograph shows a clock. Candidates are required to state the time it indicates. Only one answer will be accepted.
1:13:32
